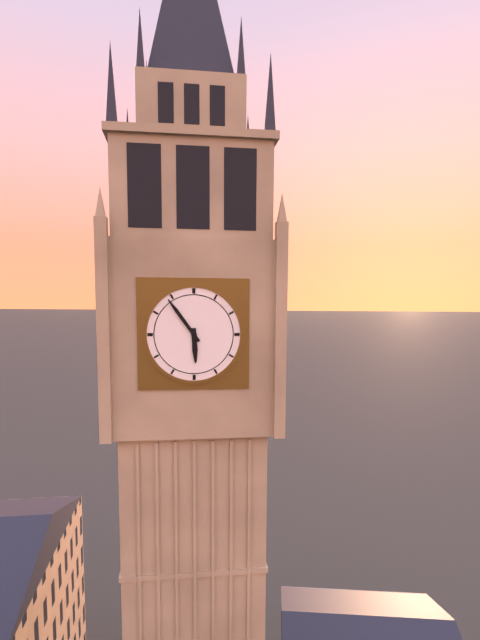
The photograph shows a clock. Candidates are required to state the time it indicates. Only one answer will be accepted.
5:54
